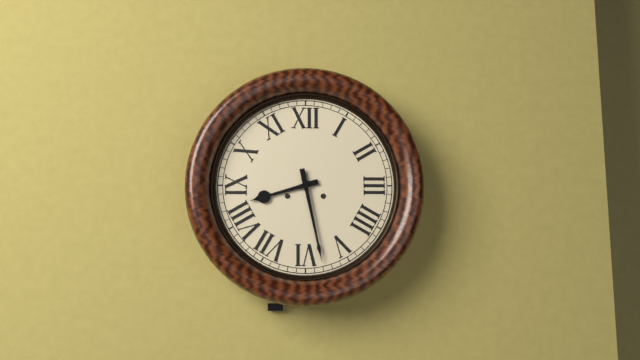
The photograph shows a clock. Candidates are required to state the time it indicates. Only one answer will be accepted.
8:28
